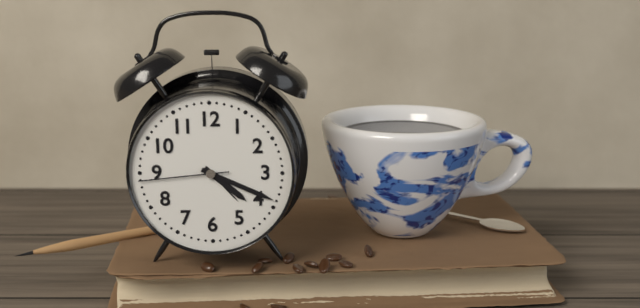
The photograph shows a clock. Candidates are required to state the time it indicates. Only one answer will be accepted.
4:19:44
